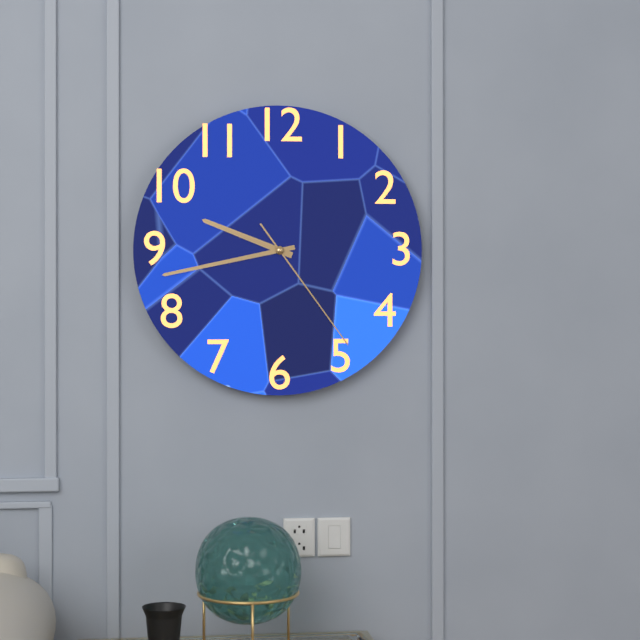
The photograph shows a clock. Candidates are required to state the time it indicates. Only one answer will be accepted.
9:43:24
